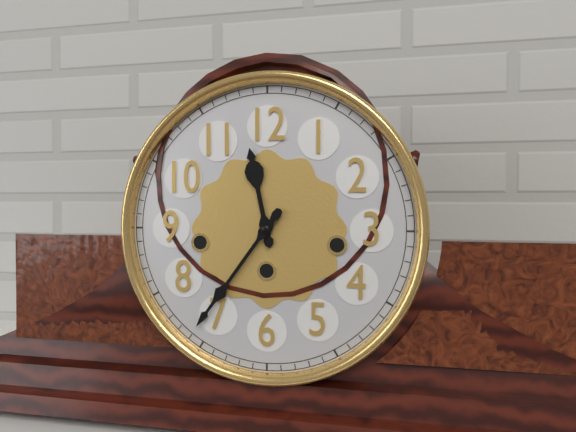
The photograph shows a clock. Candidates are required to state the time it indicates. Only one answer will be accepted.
11:36
